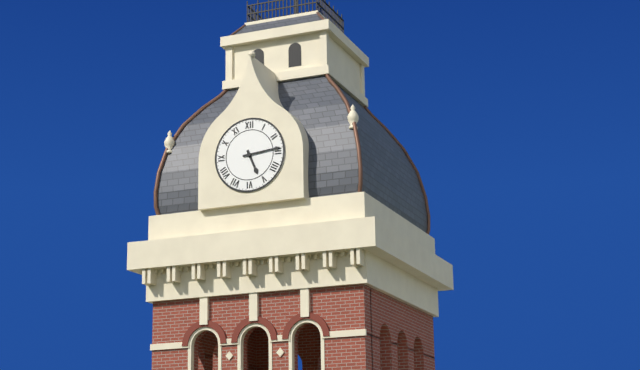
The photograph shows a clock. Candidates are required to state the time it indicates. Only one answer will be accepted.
5:14
